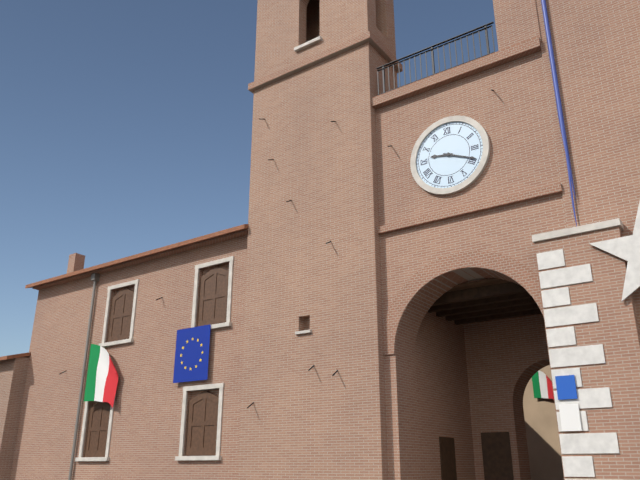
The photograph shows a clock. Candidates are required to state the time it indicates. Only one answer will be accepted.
9:19
